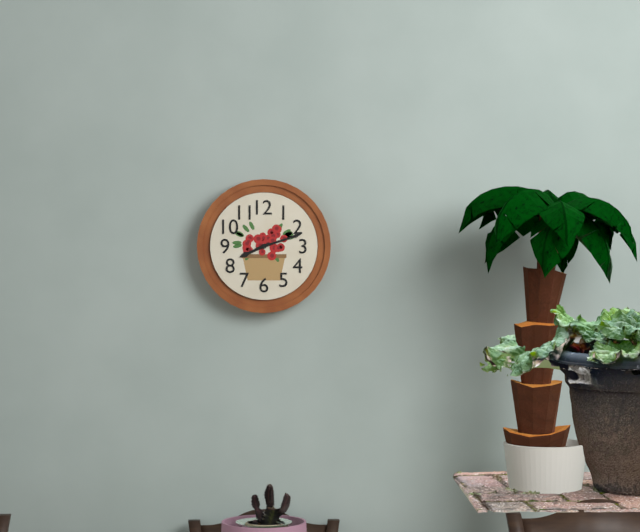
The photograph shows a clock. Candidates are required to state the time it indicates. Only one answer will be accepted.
8:12
